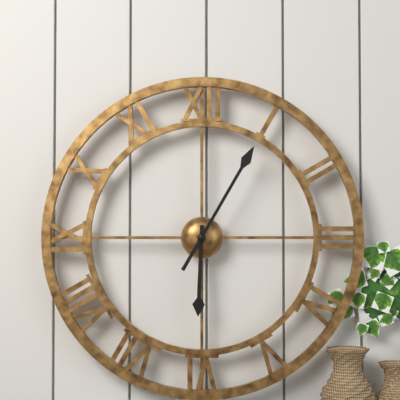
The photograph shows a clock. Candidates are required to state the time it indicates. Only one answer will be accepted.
6:05
